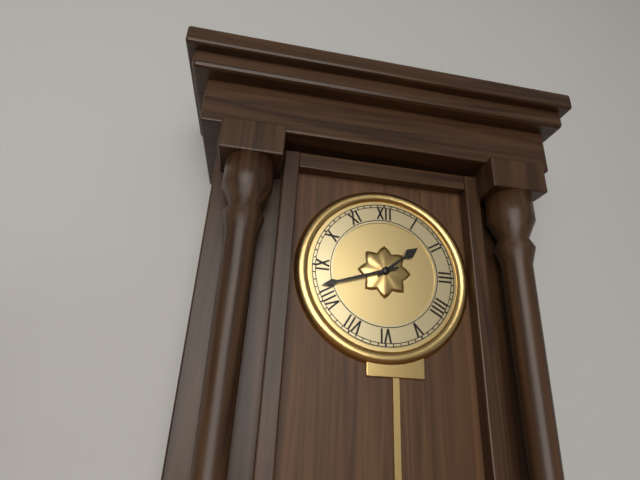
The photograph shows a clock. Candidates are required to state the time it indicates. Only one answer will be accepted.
1:42
